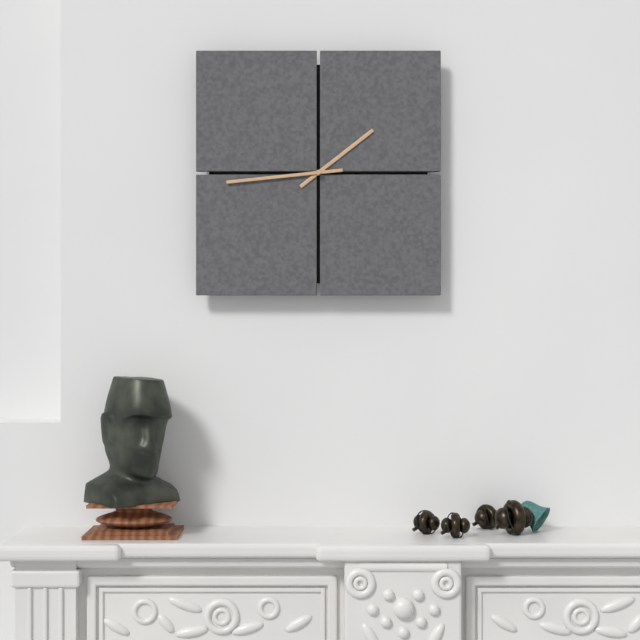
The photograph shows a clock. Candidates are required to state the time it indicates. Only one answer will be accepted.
1:44
